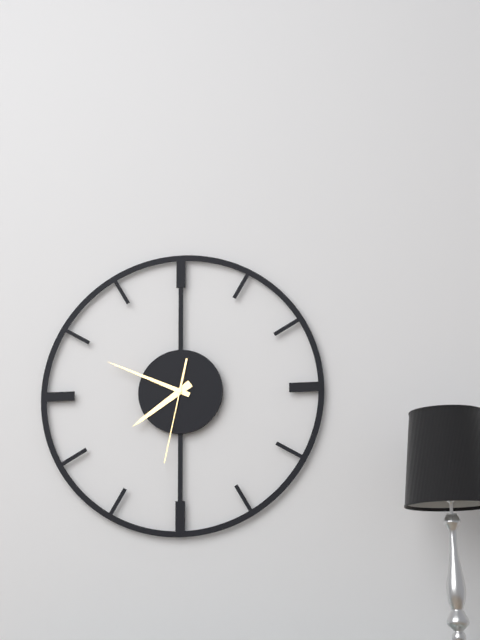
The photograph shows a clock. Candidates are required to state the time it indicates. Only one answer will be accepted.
7:49:32
